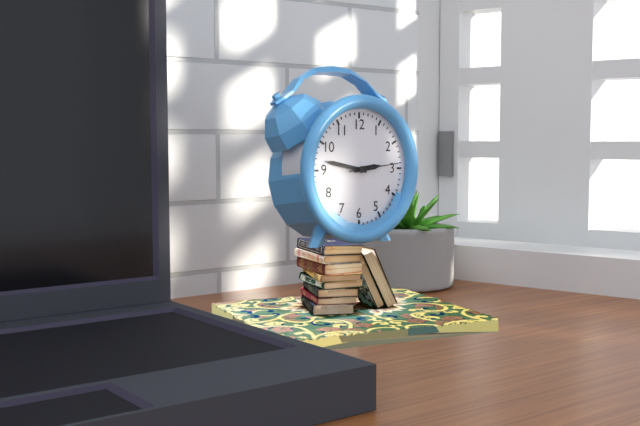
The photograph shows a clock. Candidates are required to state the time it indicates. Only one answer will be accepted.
2:47
